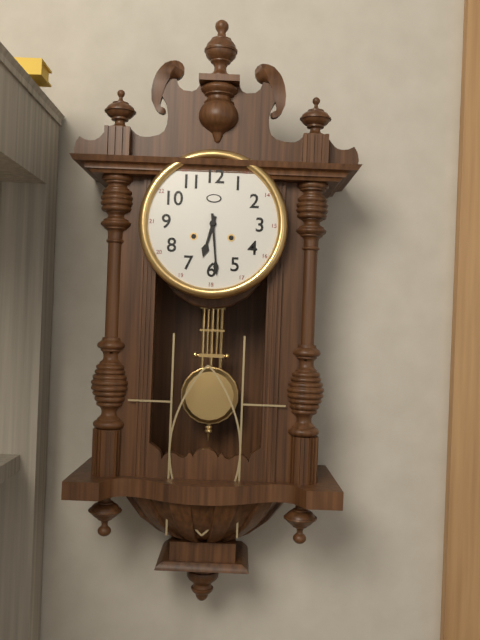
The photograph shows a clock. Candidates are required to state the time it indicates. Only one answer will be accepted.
6:29
